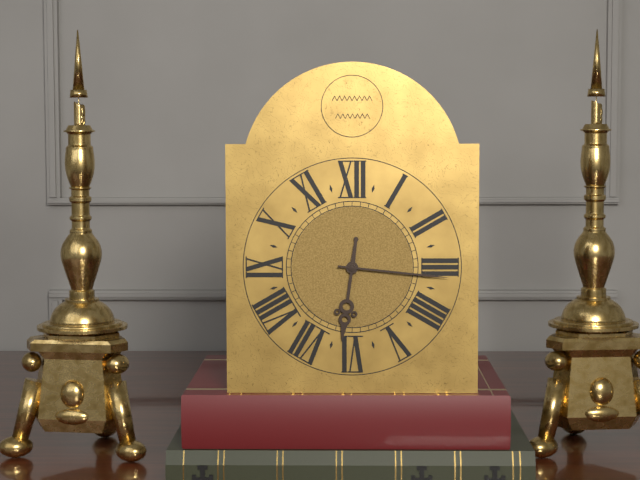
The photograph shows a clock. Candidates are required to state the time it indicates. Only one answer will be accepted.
6:16
